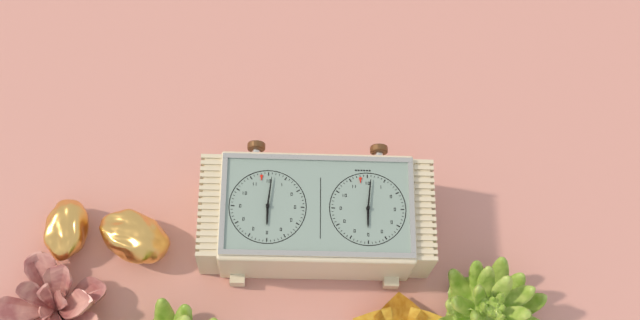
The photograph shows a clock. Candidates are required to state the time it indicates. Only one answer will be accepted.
6:01
